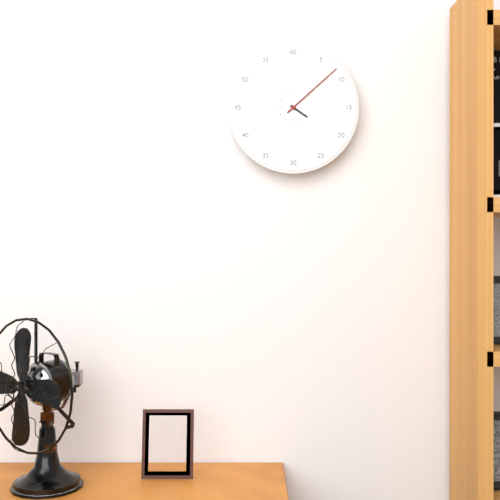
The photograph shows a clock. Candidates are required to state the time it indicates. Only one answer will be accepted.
4:08
